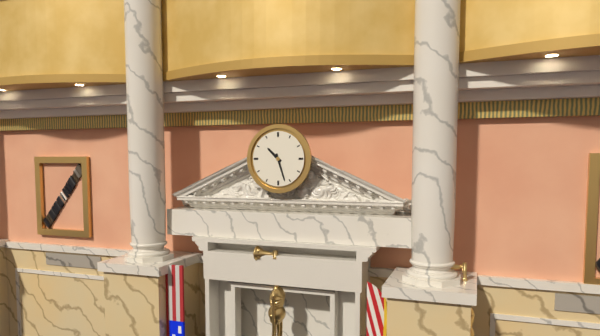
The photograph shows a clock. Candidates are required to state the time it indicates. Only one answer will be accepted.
10:27
